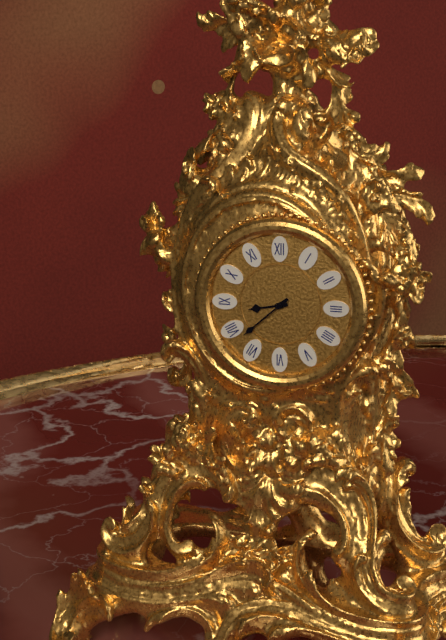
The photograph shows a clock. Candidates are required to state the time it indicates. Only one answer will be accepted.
8:38
